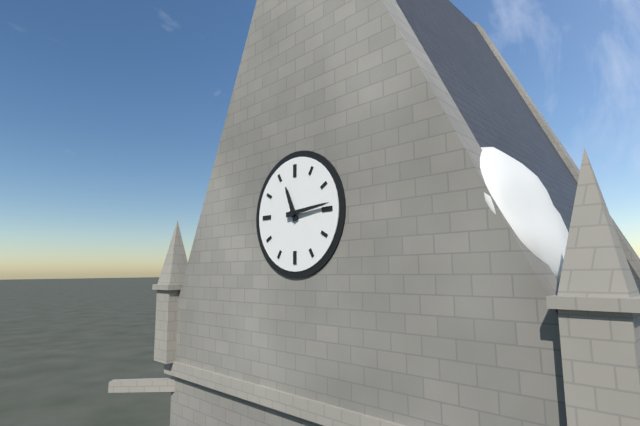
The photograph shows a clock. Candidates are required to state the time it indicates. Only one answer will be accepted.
11:14
